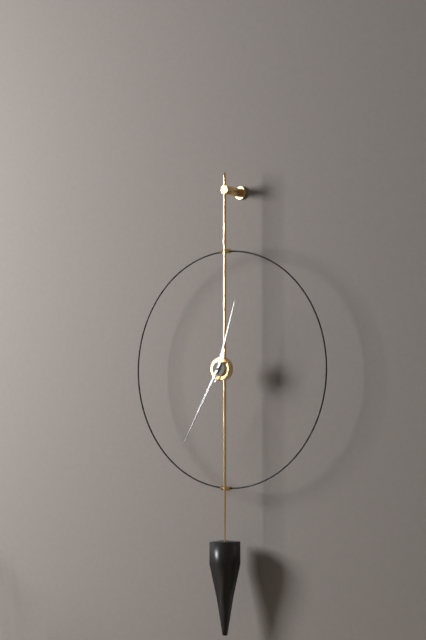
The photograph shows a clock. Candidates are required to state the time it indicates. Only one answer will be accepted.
12:35
